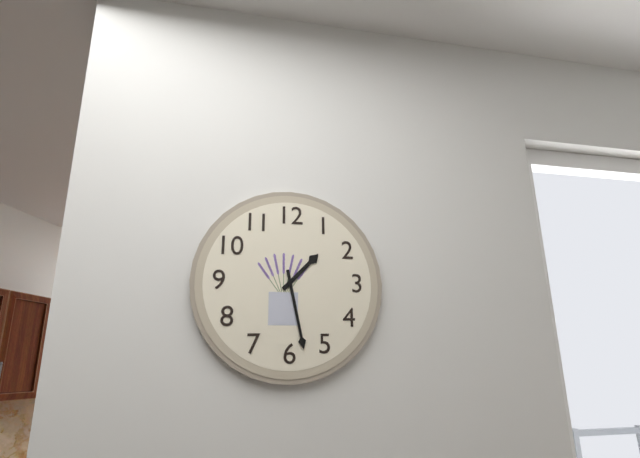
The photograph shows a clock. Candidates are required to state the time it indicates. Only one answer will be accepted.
1:28
